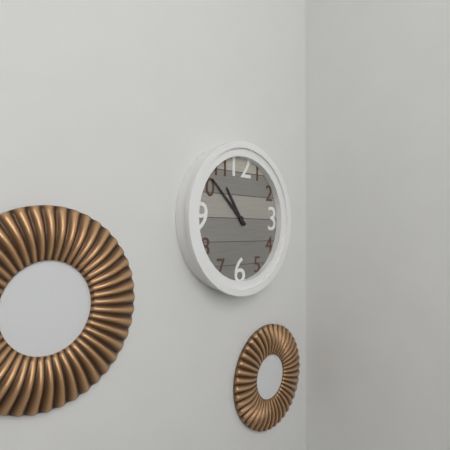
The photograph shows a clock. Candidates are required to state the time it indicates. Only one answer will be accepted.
10:52
